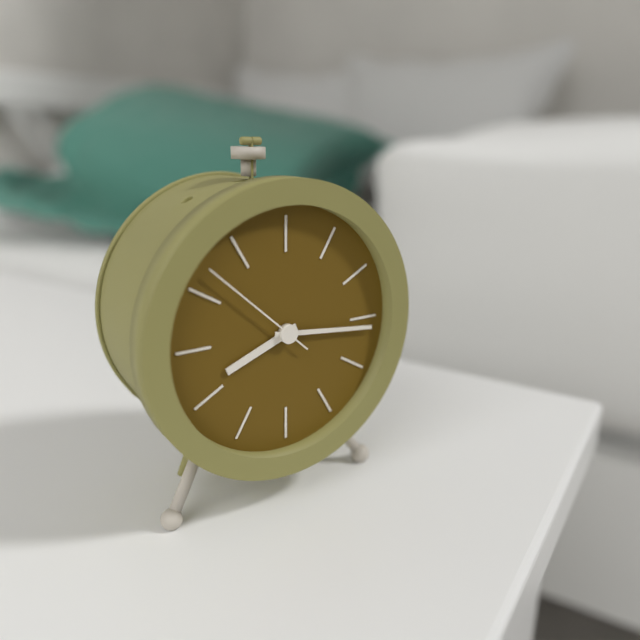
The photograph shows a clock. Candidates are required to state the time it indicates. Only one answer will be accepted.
8:16:52
